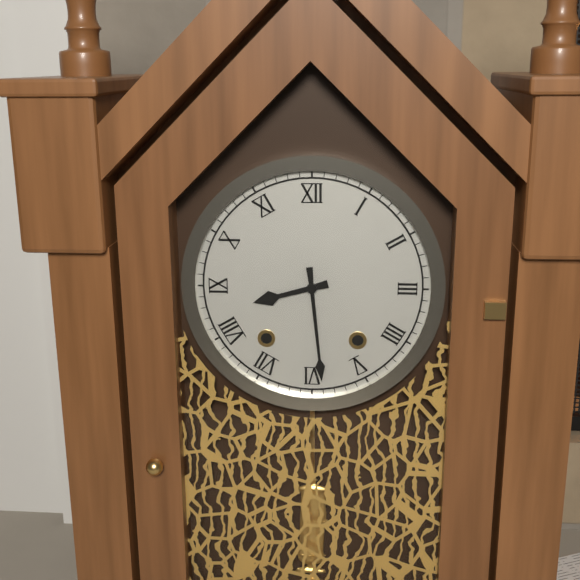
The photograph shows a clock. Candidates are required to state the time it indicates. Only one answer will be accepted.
8:29
